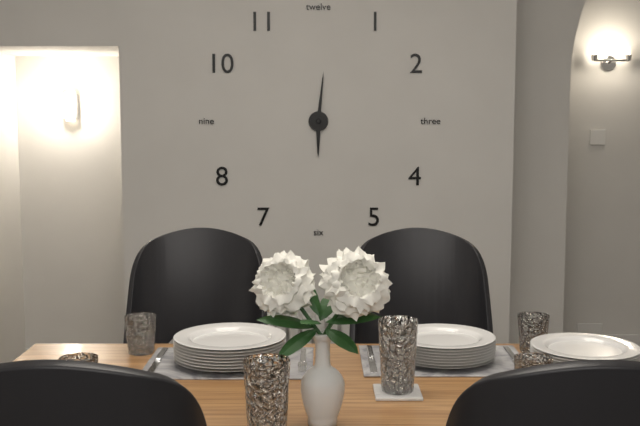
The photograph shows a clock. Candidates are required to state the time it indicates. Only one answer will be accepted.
6:01
